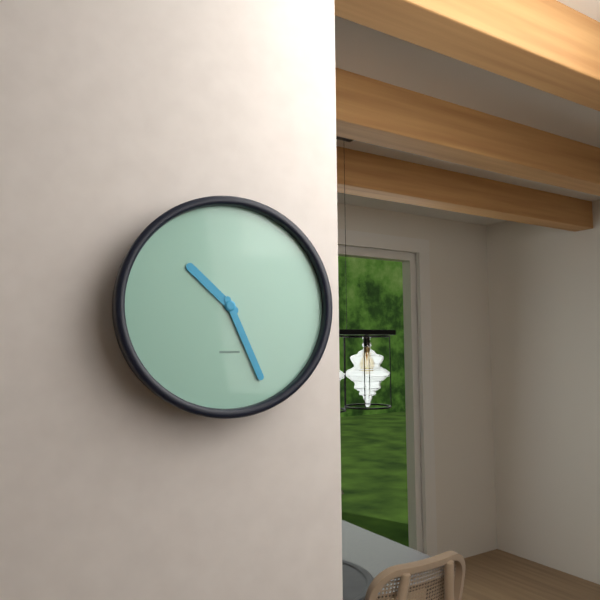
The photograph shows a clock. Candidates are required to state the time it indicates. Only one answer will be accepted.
10:26
